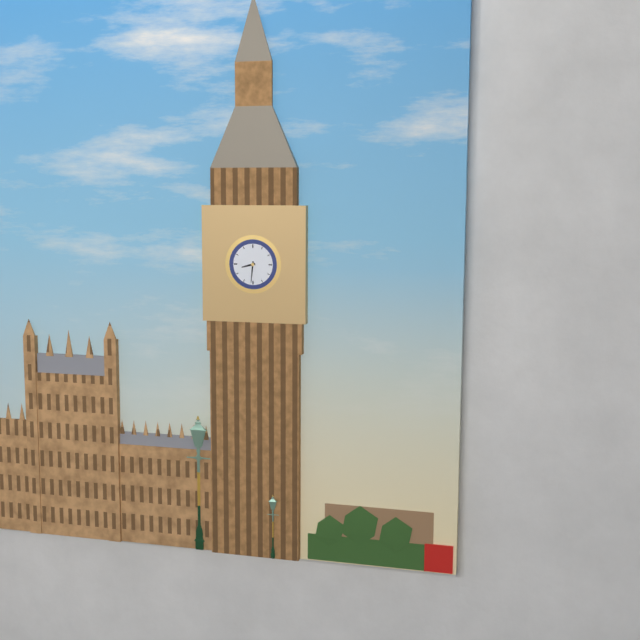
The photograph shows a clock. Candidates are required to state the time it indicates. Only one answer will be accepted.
8:31
